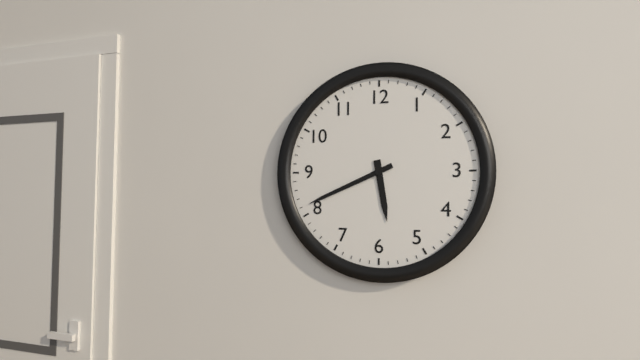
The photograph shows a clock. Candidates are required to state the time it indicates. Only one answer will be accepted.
5:41
